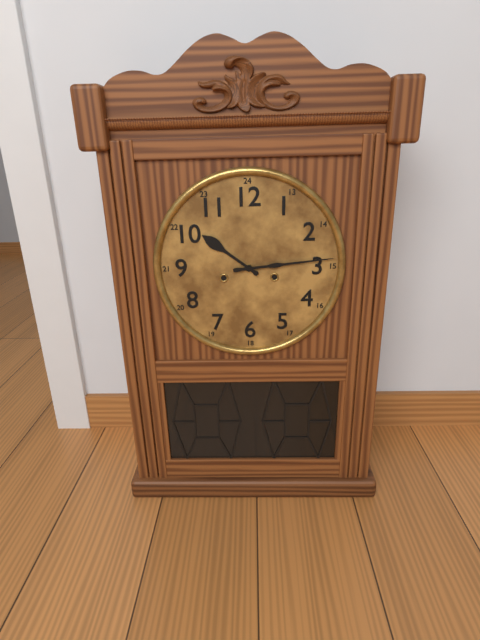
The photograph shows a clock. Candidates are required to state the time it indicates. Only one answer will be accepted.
10:14
